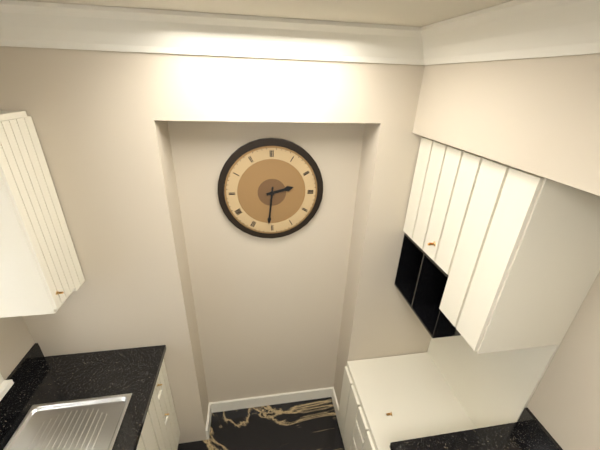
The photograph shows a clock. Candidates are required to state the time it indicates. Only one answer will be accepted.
2:31
